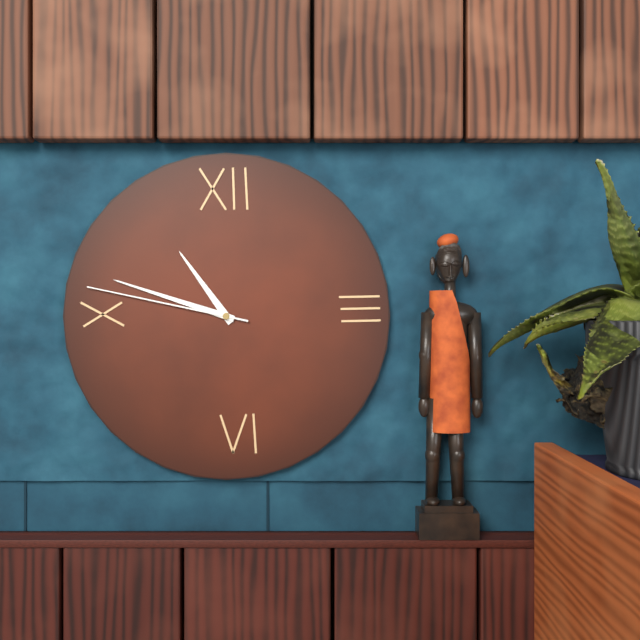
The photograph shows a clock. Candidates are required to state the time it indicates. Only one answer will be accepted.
10:48:47
